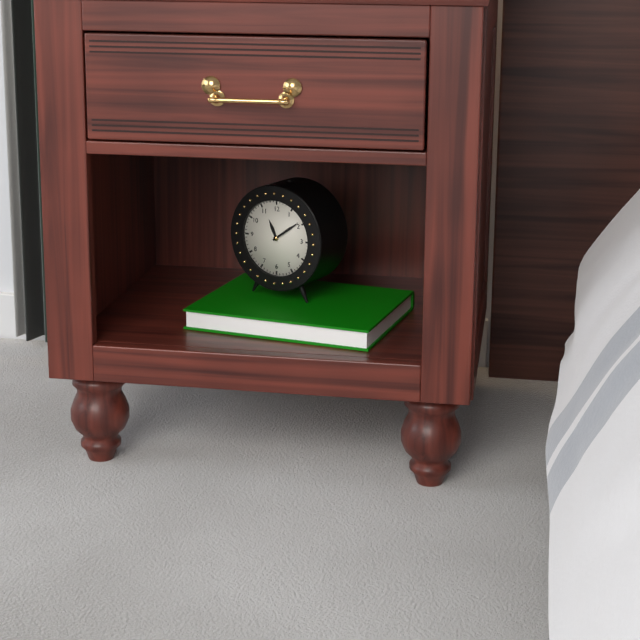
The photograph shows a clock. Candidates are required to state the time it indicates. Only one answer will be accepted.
11:09
